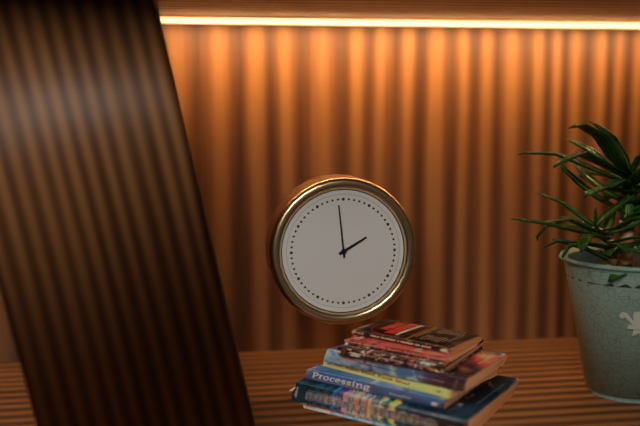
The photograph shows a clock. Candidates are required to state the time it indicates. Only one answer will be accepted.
1:59
